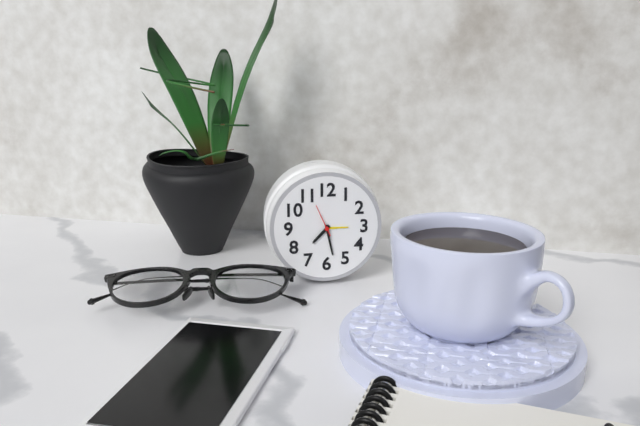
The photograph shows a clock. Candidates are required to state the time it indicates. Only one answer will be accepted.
7:28
